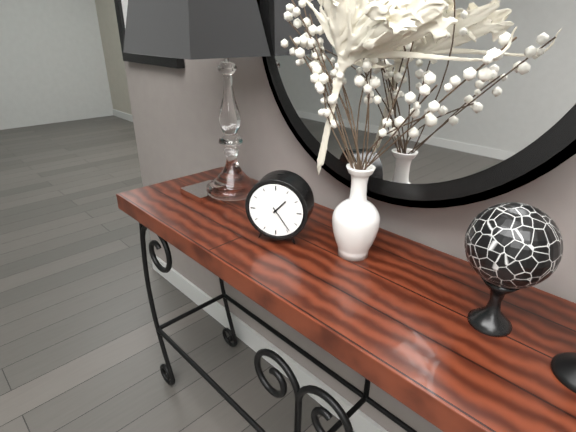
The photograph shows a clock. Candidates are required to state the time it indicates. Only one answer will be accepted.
1:24
